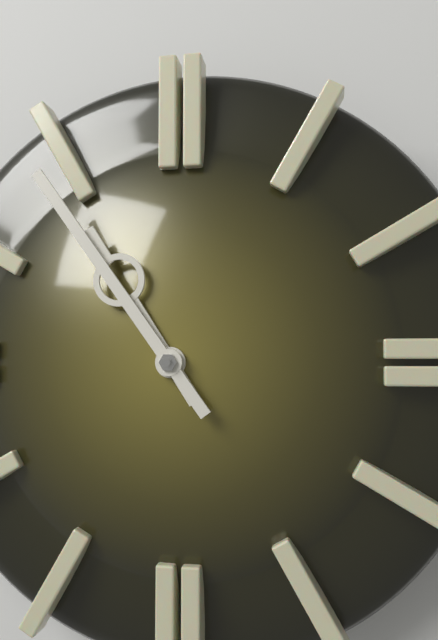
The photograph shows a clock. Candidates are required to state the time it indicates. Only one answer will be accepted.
10:54
